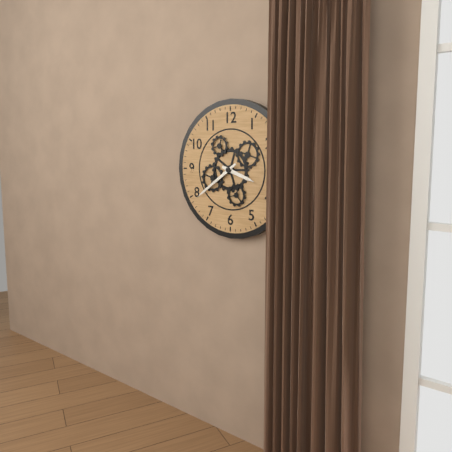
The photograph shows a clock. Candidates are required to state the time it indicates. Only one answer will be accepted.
3:39
